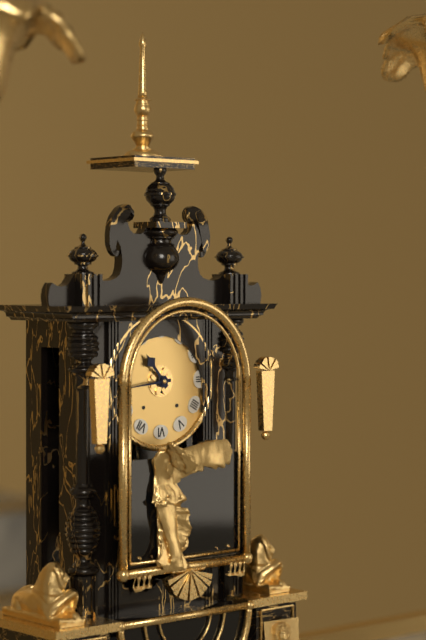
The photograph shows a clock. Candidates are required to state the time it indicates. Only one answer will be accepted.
10:44
